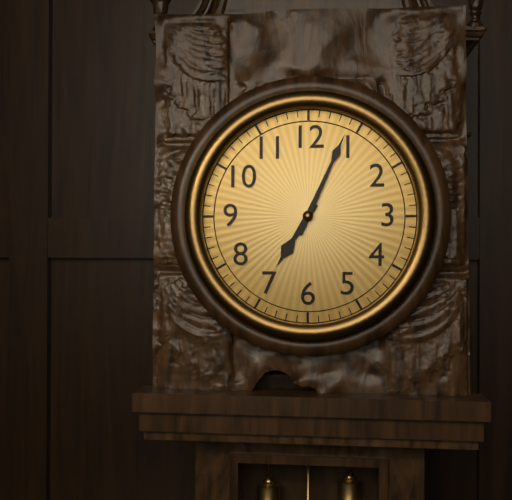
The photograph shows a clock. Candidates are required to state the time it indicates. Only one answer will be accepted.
7:04
